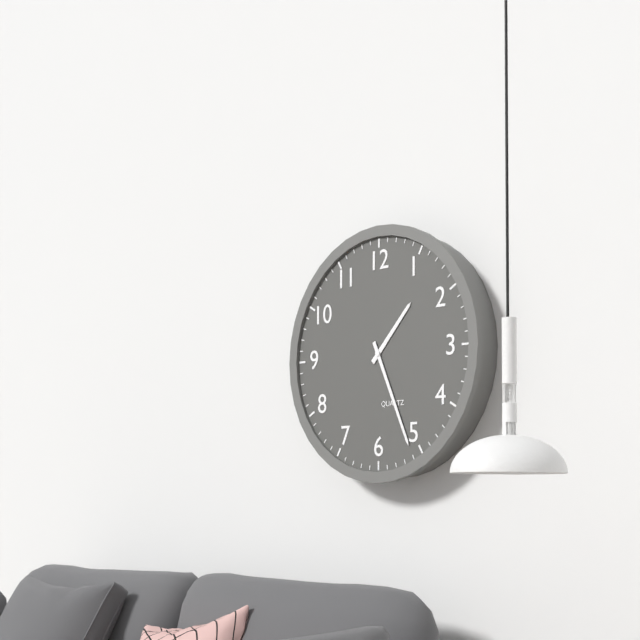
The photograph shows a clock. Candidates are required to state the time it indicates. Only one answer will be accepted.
1:26
